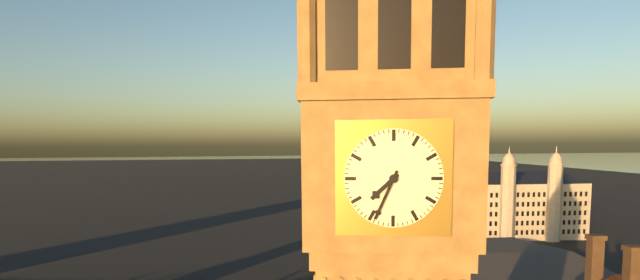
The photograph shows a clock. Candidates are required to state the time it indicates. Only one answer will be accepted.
7:34
